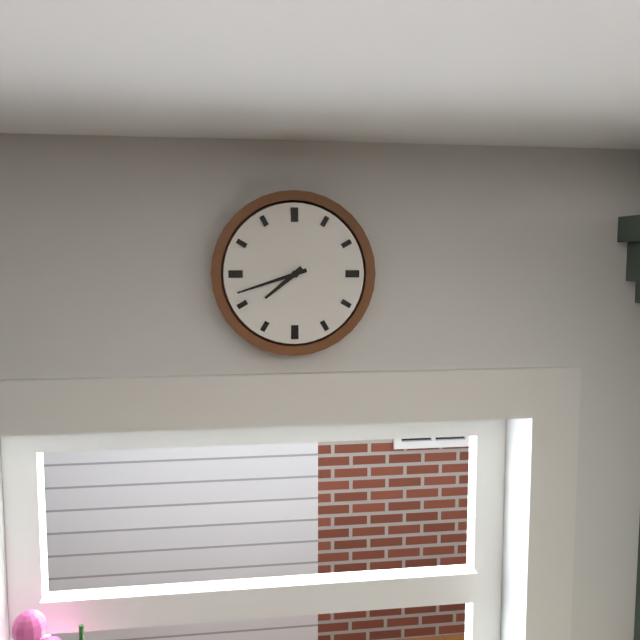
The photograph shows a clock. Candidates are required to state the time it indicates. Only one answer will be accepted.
7:42
